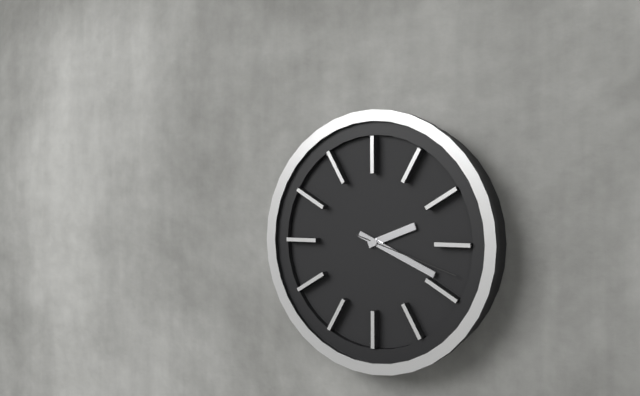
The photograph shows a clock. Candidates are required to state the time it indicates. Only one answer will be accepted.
2:19:18
